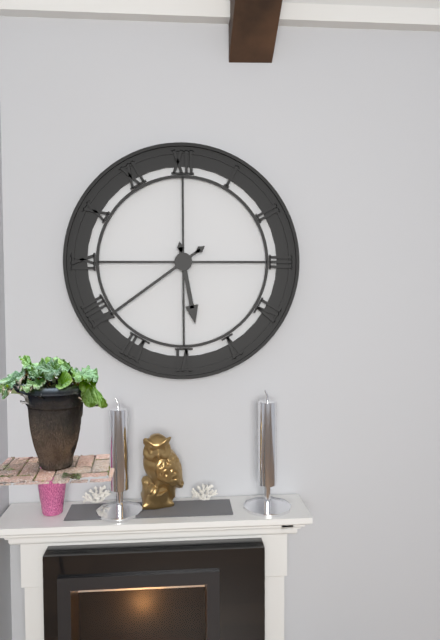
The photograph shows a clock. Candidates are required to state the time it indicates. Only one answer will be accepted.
5:39
